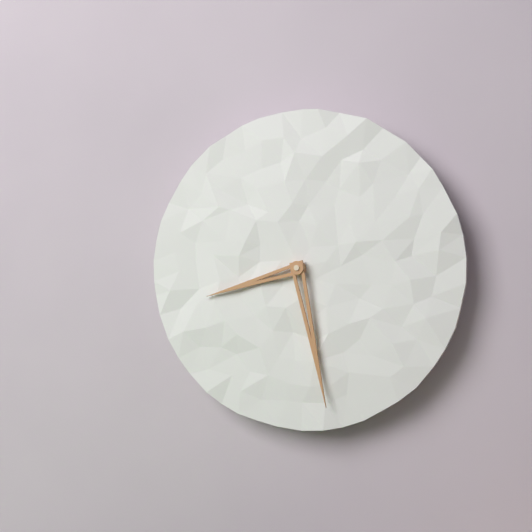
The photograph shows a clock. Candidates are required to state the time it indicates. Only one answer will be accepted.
8:28
